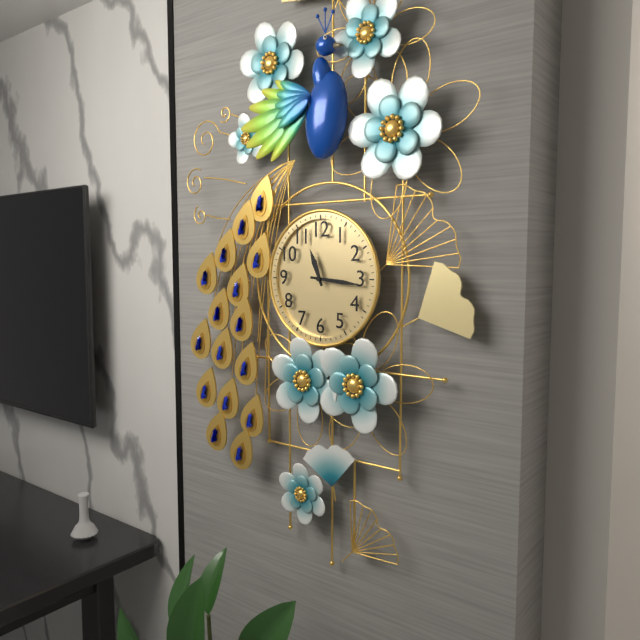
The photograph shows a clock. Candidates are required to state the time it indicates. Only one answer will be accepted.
11:16
